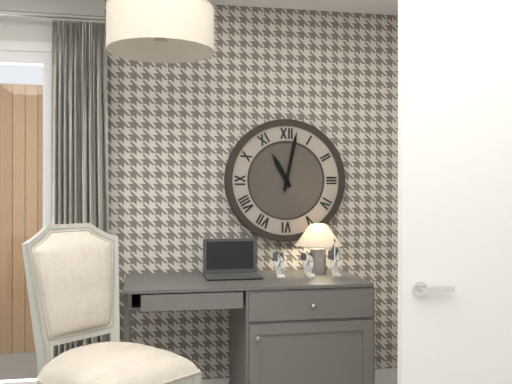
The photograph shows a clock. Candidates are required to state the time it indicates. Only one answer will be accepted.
11:02
